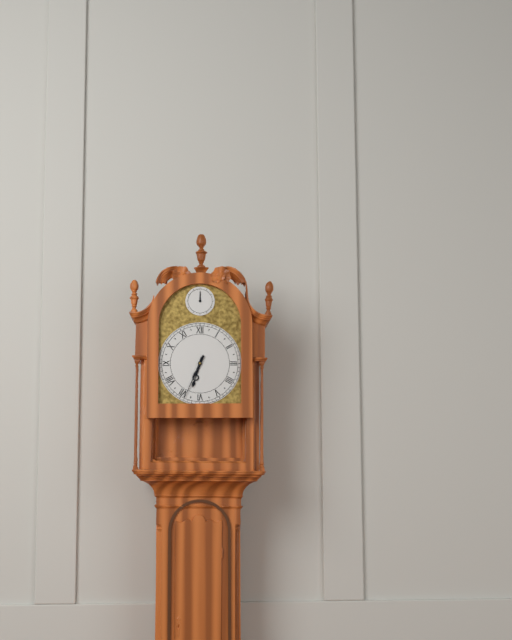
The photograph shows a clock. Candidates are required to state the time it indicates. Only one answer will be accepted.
6:34
